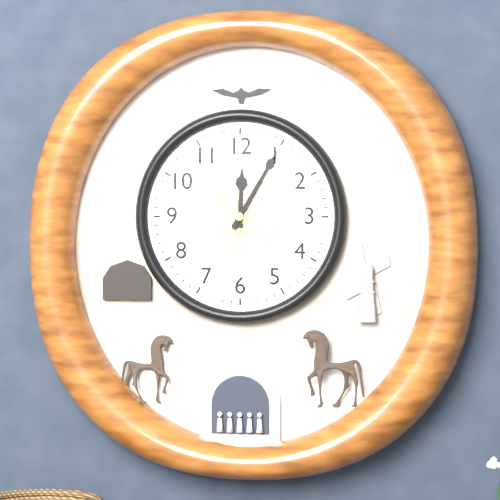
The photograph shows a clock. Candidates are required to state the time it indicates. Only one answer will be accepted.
12:05
